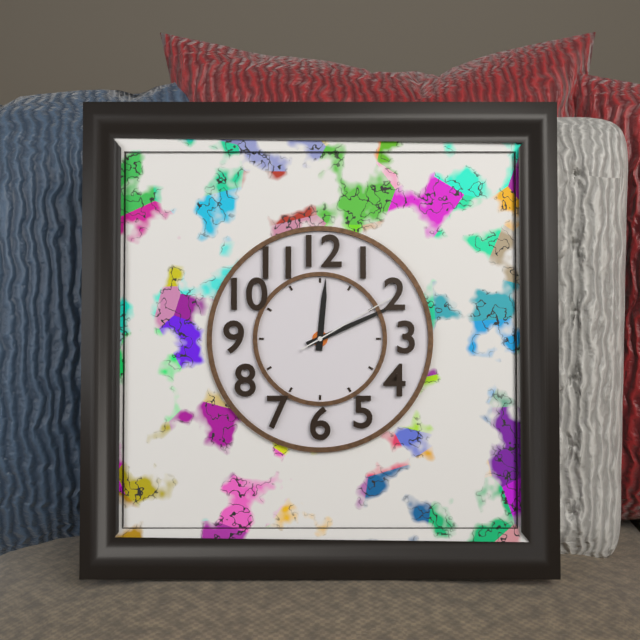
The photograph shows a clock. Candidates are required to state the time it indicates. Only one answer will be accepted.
12:11:10
